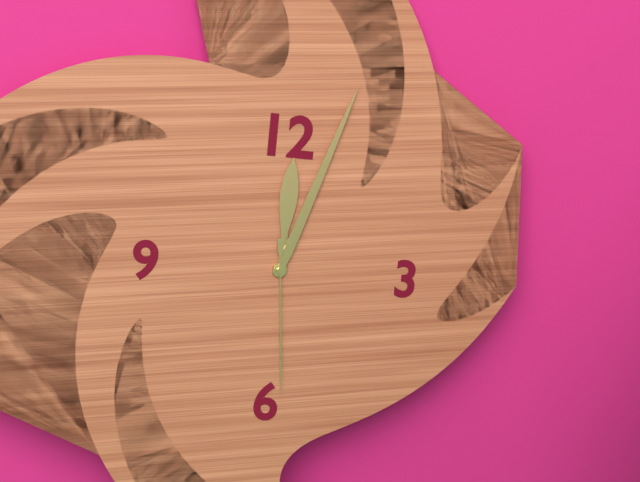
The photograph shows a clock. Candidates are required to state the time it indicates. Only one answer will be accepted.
12:03:29
